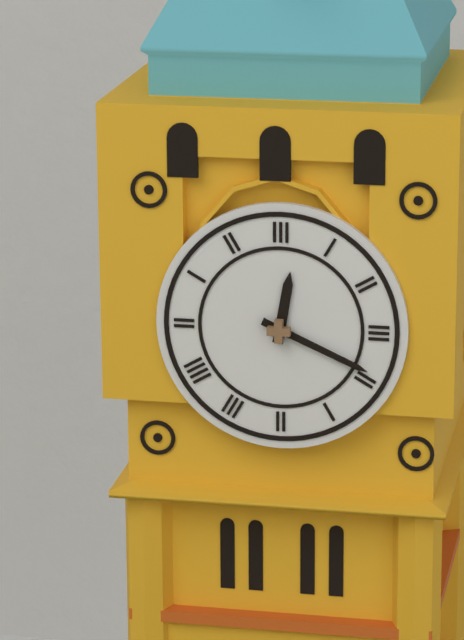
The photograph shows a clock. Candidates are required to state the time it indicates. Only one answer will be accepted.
12:19
